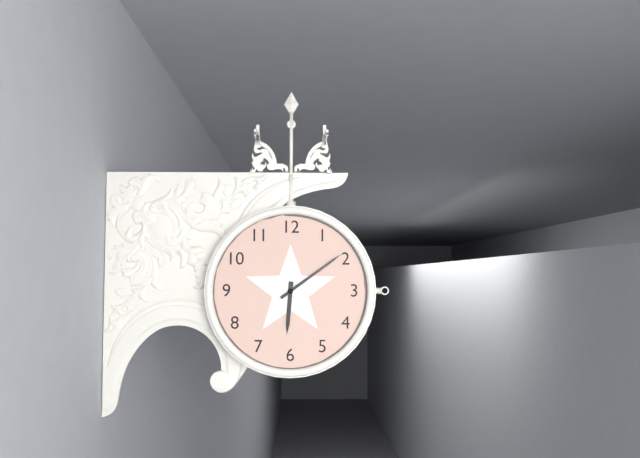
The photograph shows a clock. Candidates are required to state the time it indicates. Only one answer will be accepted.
6:09
